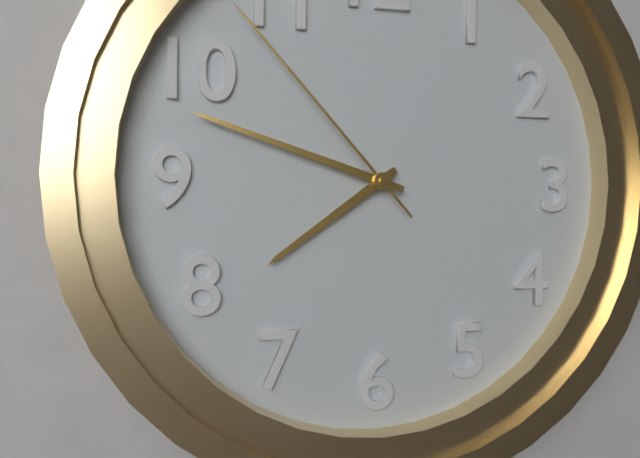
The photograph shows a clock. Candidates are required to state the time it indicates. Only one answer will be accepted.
7:48:53
